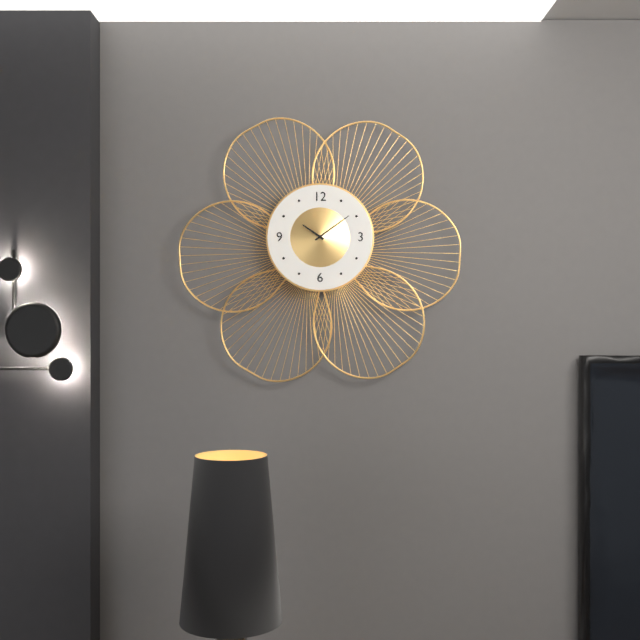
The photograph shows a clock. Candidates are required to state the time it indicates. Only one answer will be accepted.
10:09
